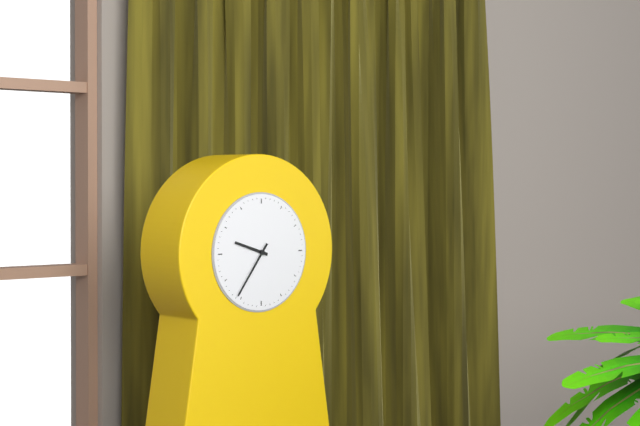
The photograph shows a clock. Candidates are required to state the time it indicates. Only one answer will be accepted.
9:36
